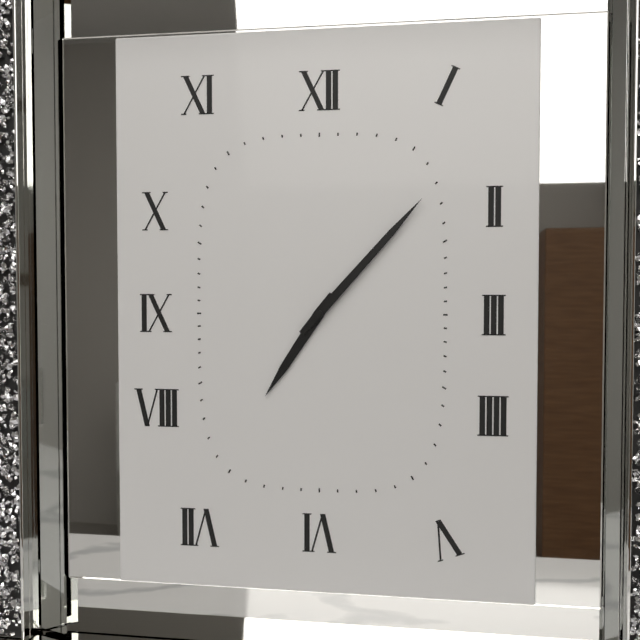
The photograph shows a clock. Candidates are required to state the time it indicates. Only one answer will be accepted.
7:07
